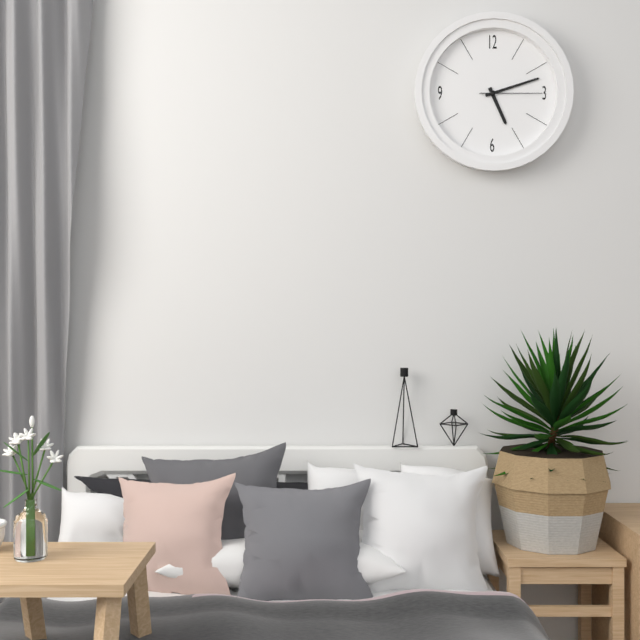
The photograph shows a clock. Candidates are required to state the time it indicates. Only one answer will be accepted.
5:12:15
